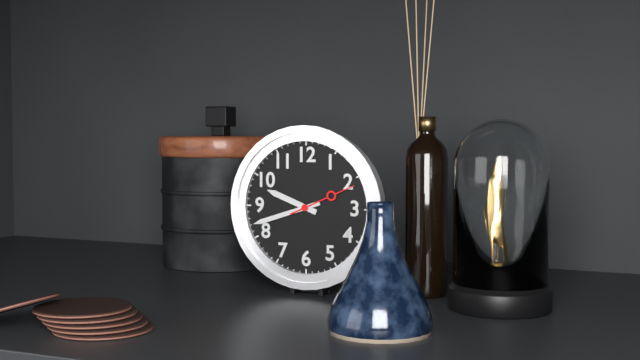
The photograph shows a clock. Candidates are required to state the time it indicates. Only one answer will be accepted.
9:42:11
